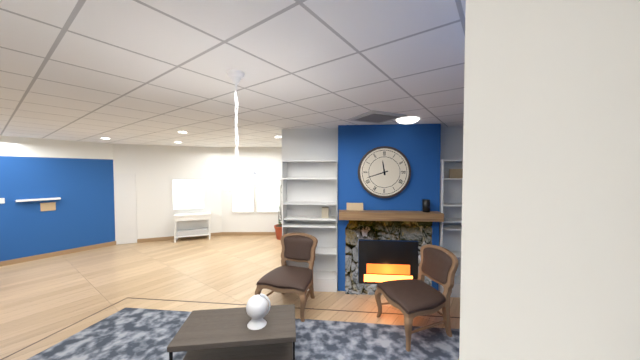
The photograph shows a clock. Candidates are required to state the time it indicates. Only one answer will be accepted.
11:42
